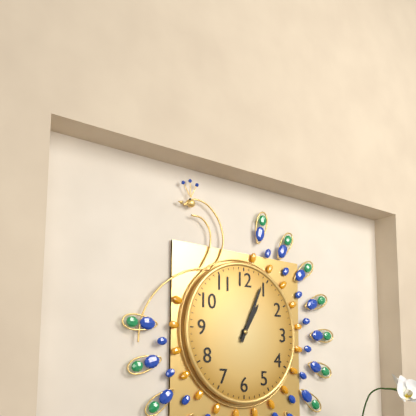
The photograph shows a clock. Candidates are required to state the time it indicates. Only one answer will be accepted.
1:04
